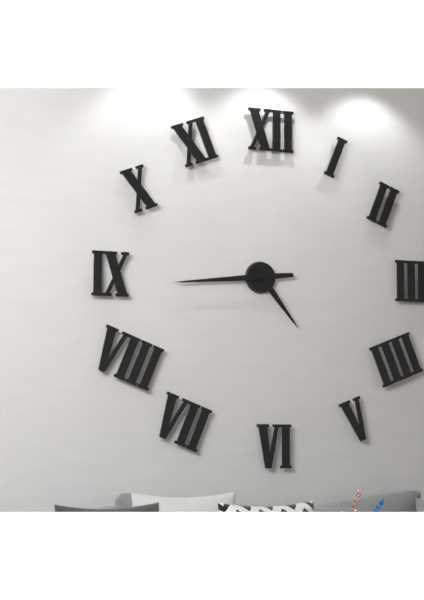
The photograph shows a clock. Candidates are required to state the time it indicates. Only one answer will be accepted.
4:44
